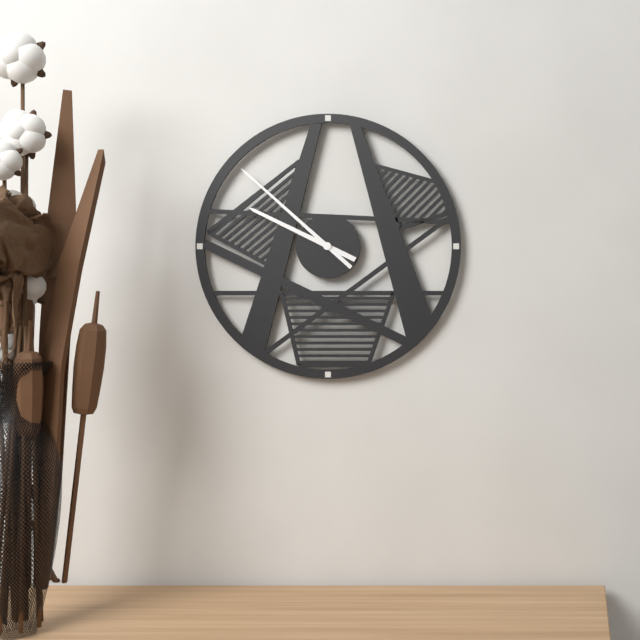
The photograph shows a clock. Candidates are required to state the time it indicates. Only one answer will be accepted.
9:52
